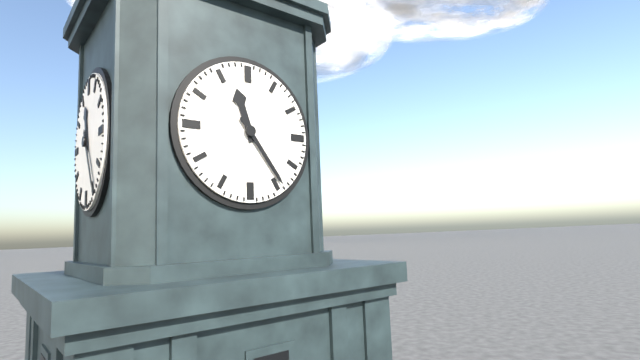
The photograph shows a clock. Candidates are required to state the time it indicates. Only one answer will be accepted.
11:24
